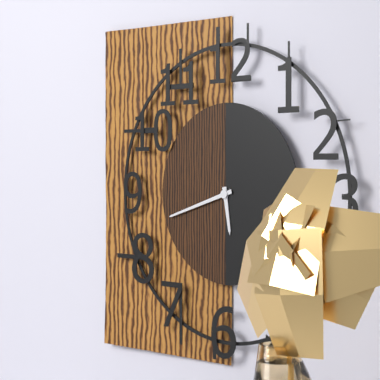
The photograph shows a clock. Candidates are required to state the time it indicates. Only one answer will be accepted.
5:42
